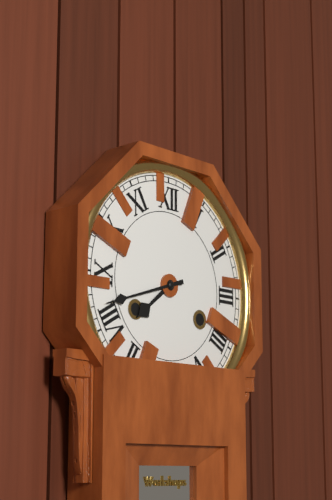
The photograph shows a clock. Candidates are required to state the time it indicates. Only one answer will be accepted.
7:42
